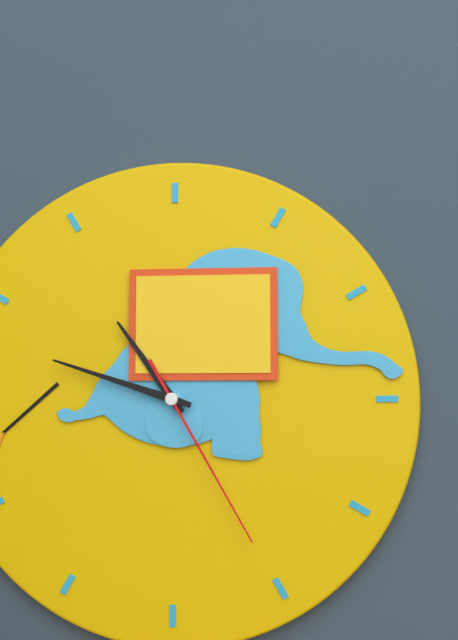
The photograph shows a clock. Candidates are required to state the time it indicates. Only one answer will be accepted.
10:48:25
